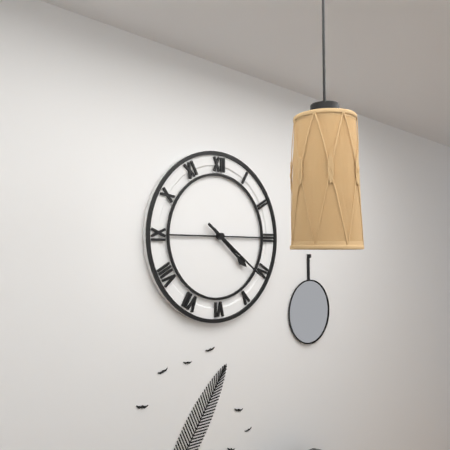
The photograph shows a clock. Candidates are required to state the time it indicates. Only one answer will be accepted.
4:21
